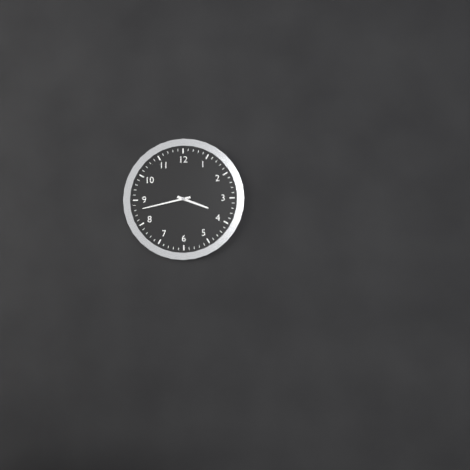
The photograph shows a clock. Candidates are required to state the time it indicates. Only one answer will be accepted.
3:43
